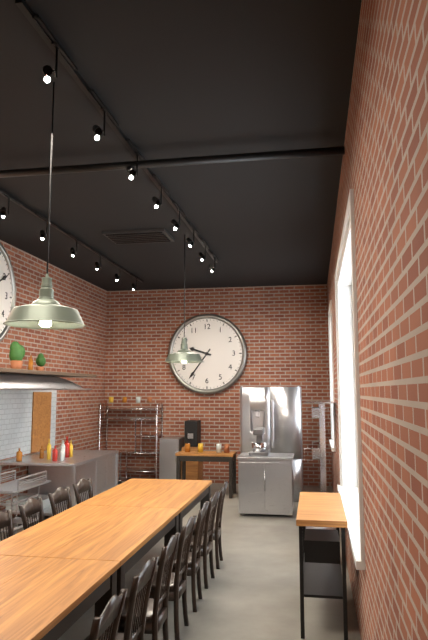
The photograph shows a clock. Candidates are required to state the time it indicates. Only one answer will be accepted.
9:36
